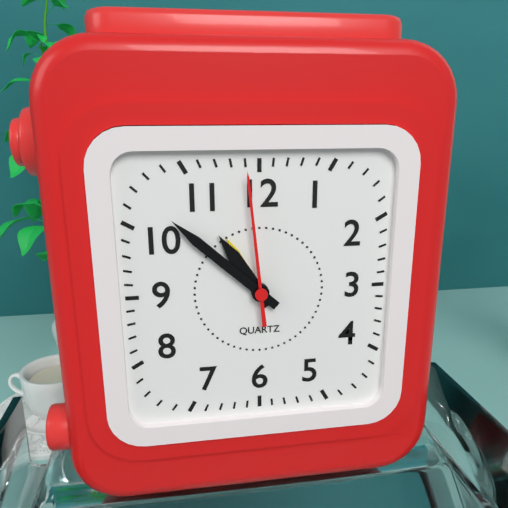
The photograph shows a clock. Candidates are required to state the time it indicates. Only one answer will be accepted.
10:52:59
